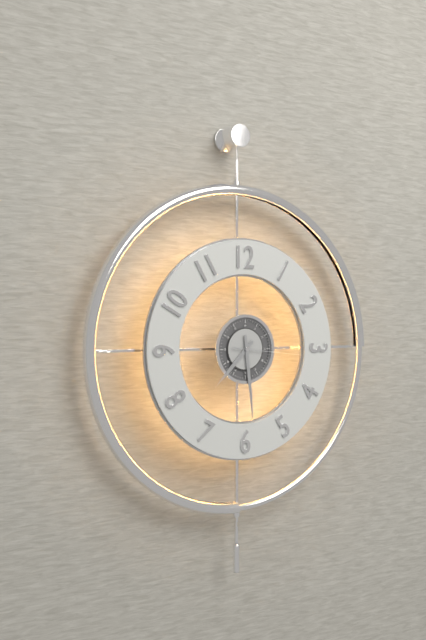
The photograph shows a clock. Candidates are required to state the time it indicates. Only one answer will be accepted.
7:29:16
